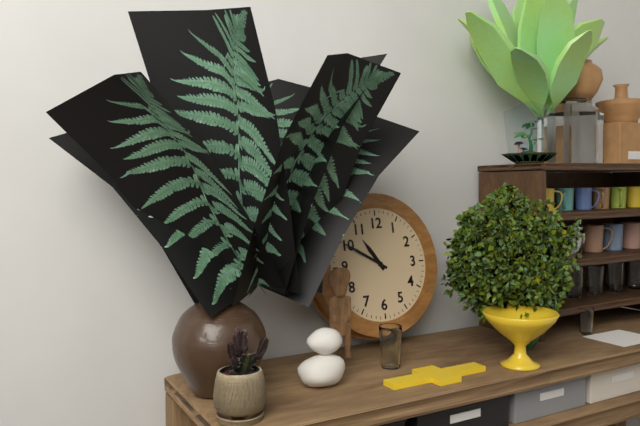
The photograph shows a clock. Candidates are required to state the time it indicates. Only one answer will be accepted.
10:50
